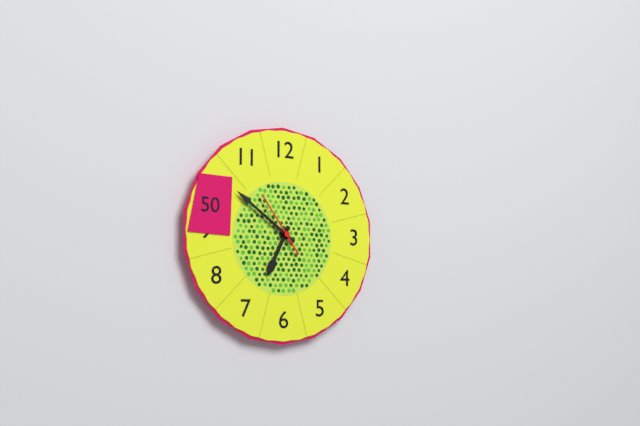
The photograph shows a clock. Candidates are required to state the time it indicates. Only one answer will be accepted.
6:51:54
